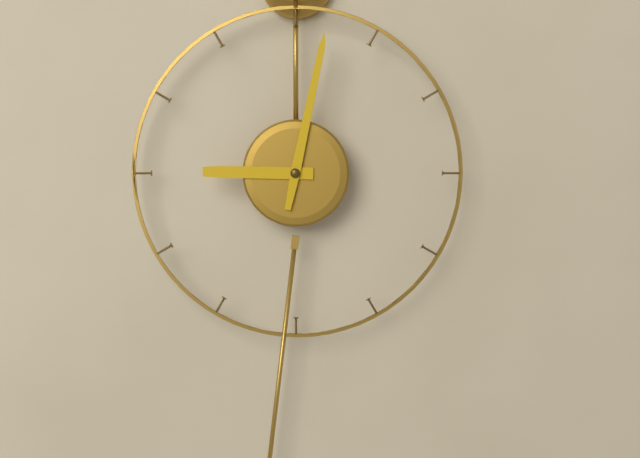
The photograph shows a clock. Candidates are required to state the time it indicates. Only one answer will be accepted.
9:02
